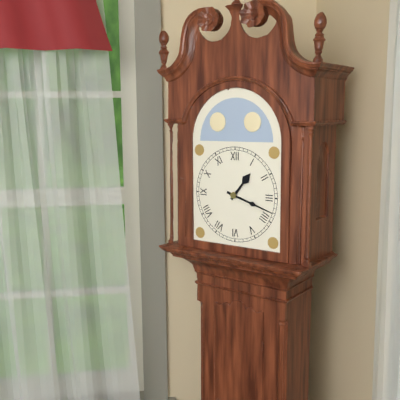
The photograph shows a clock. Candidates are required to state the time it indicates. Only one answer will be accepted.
1:18
